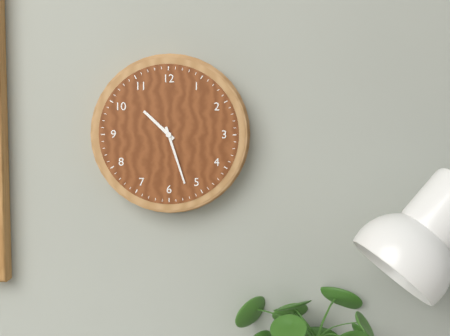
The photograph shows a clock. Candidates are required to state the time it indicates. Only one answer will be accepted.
10:27
